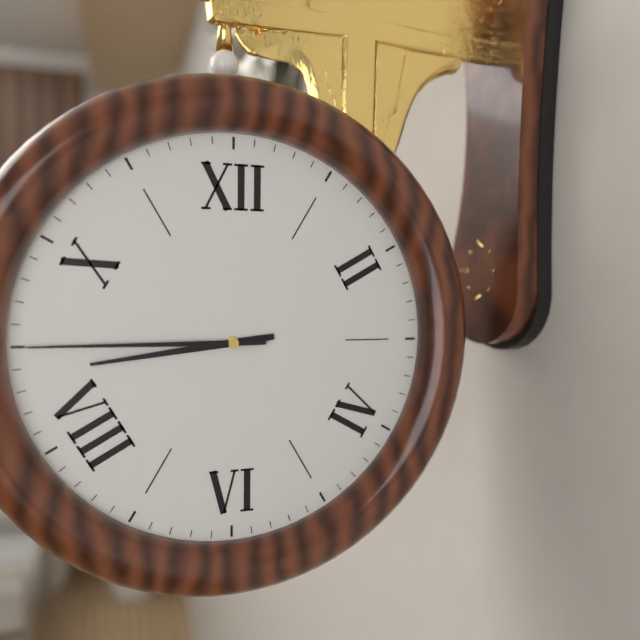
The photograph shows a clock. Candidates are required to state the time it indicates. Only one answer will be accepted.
8:45
